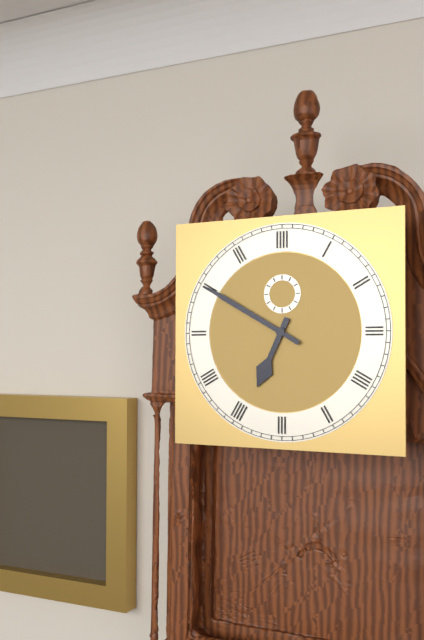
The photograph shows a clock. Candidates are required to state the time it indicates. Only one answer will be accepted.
6:50
